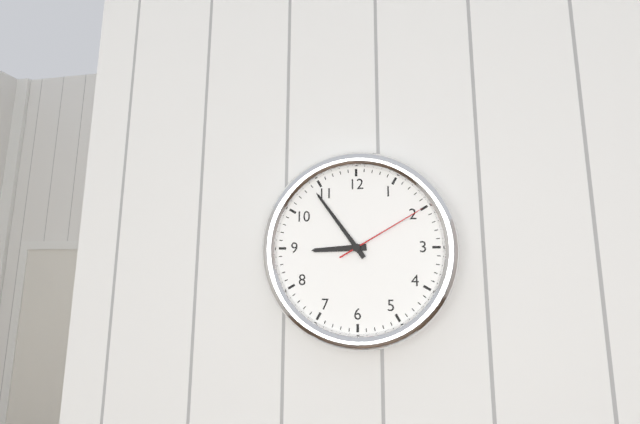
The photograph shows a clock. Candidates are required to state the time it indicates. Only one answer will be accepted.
8:54:10
